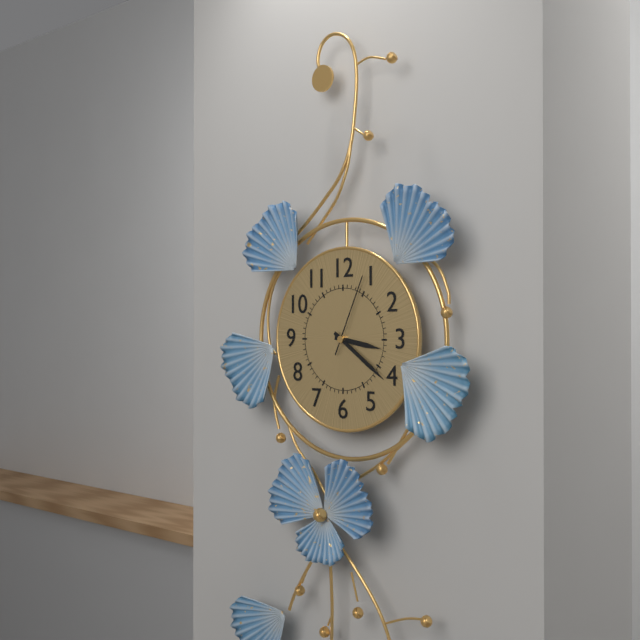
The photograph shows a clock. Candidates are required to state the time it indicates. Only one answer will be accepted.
3:21:04
